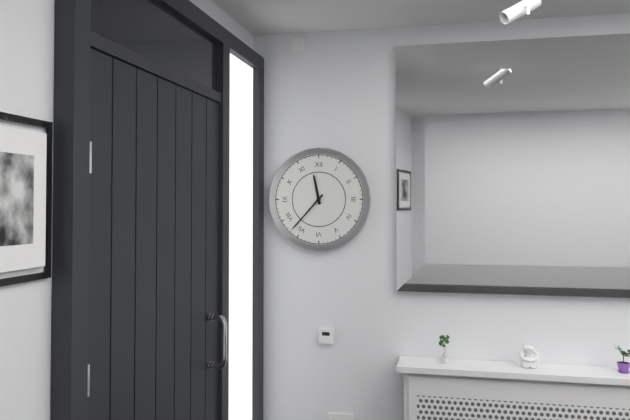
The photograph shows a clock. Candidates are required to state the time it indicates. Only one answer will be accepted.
11:37
